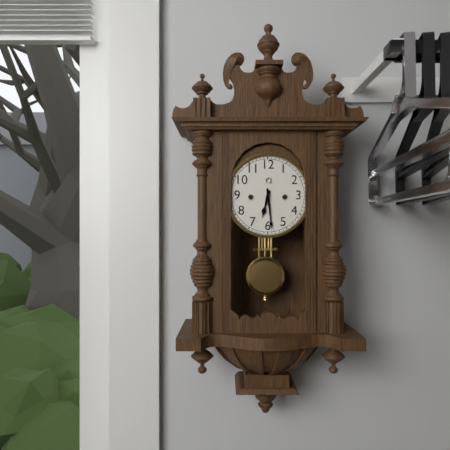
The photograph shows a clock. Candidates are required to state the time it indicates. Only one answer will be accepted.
6:29
